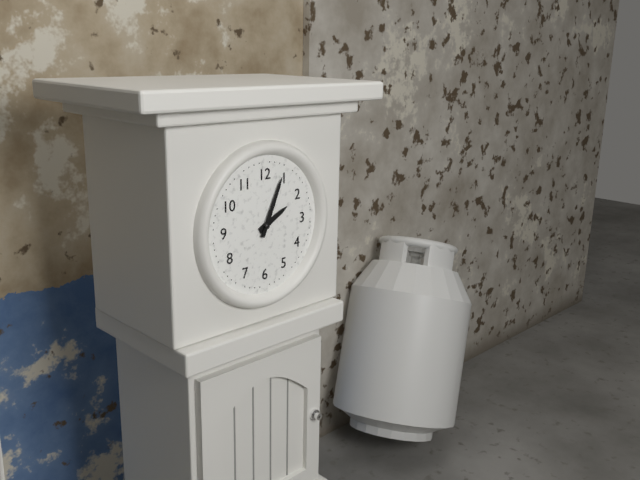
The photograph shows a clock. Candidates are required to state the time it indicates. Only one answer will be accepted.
2:04
